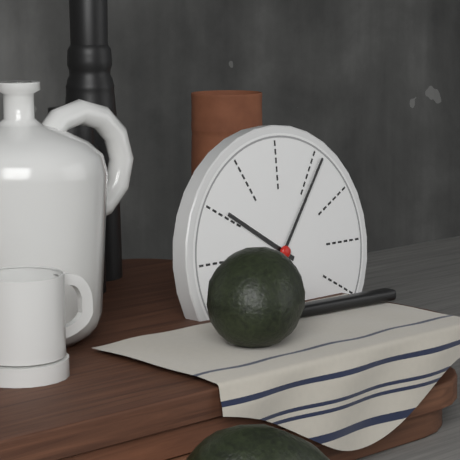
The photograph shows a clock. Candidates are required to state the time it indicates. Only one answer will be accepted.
10:06
